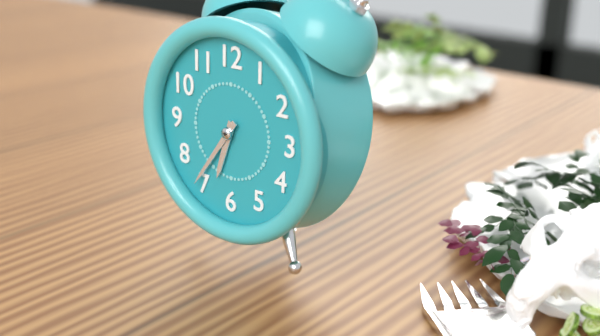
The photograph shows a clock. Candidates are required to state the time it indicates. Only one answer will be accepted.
6:36
